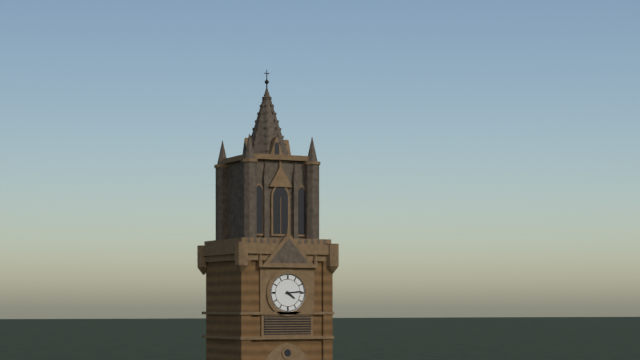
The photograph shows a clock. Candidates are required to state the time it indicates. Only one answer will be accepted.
4:14
